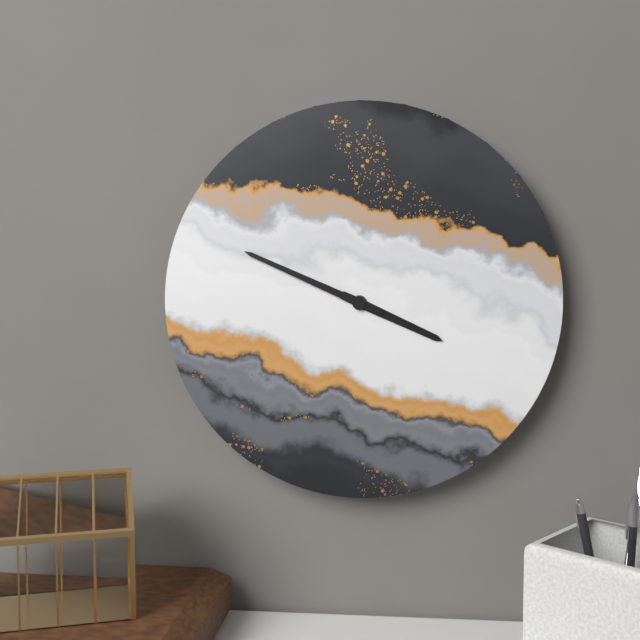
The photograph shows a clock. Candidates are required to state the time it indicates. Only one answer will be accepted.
3:49
